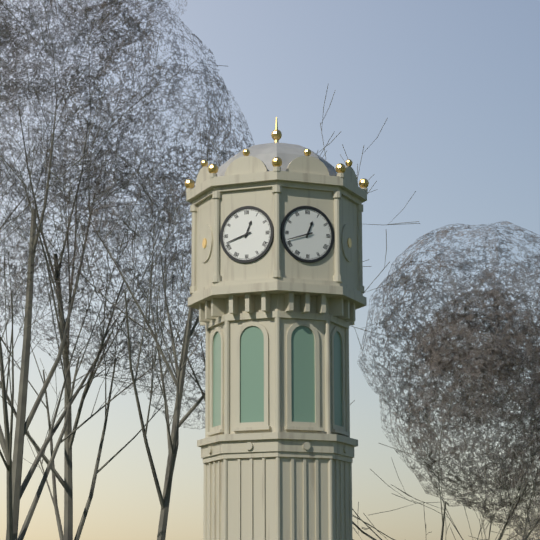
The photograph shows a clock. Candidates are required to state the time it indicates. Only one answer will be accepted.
12:42
